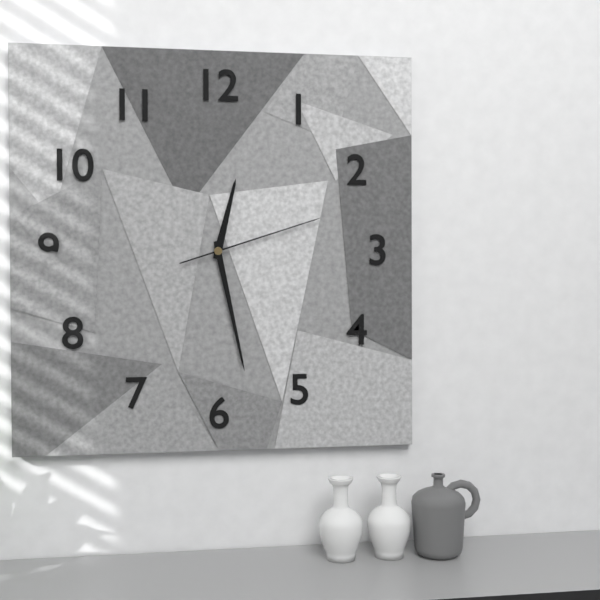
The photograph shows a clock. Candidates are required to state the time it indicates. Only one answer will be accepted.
12:28:12
